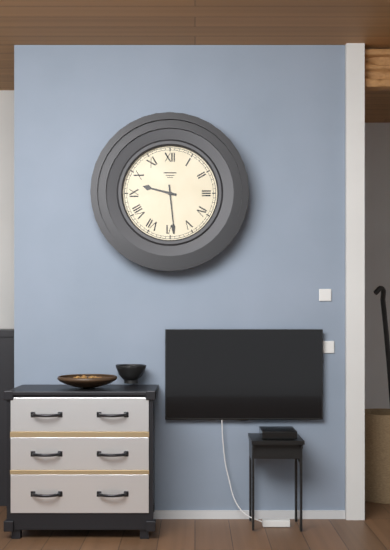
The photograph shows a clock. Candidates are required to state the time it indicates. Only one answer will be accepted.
9:29
